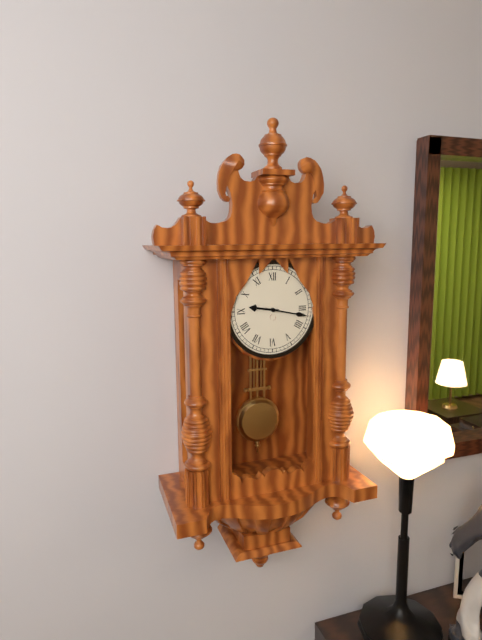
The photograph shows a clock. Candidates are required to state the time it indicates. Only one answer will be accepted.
9:17
